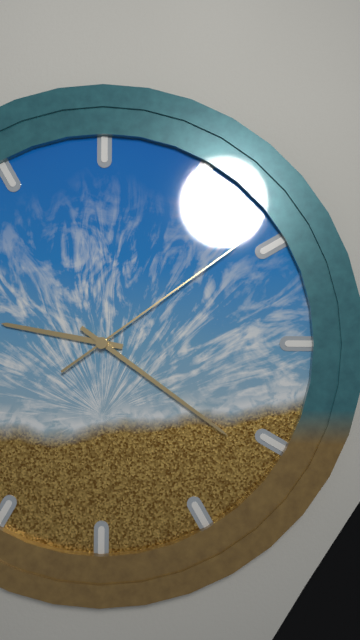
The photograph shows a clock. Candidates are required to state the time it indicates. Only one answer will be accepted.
9:21:09
